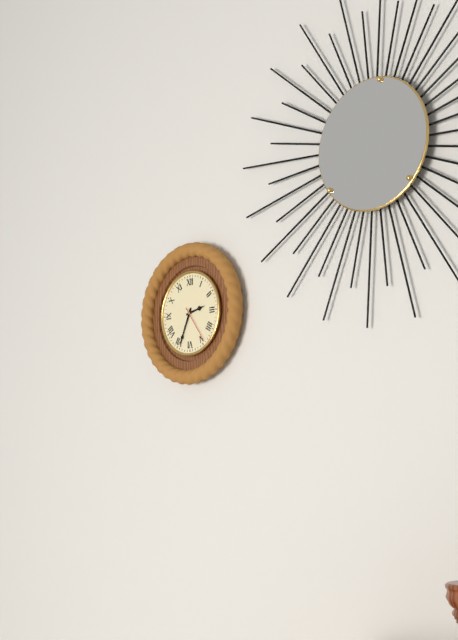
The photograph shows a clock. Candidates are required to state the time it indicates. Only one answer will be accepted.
2:34
